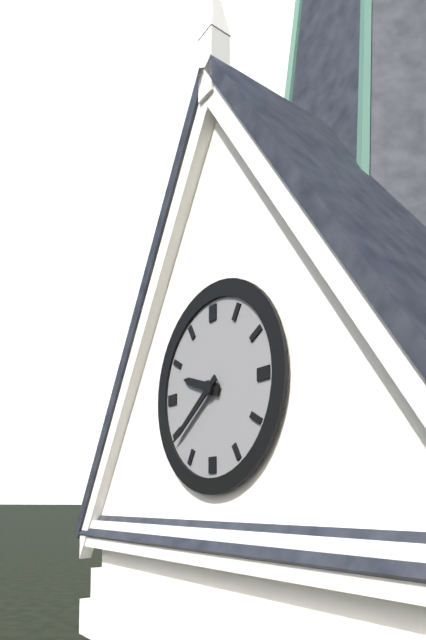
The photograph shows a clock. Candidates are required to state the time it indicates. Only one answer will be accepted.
9:39
